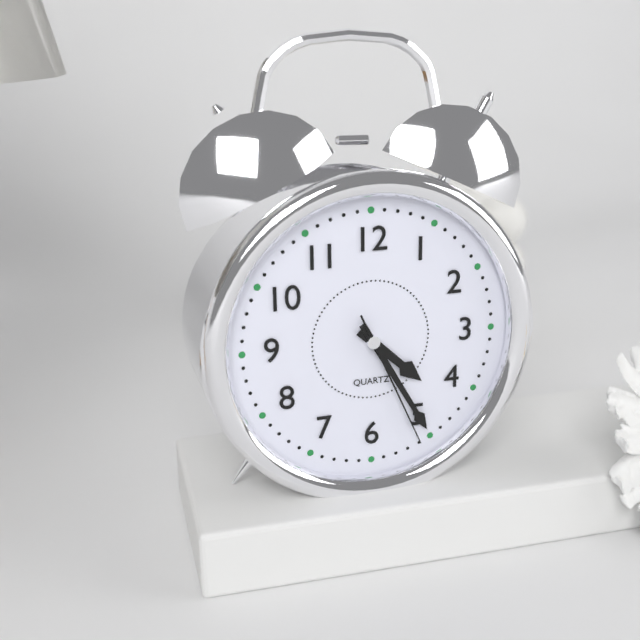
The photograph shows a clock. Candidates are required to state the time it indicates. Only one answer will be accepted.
4:25:26
